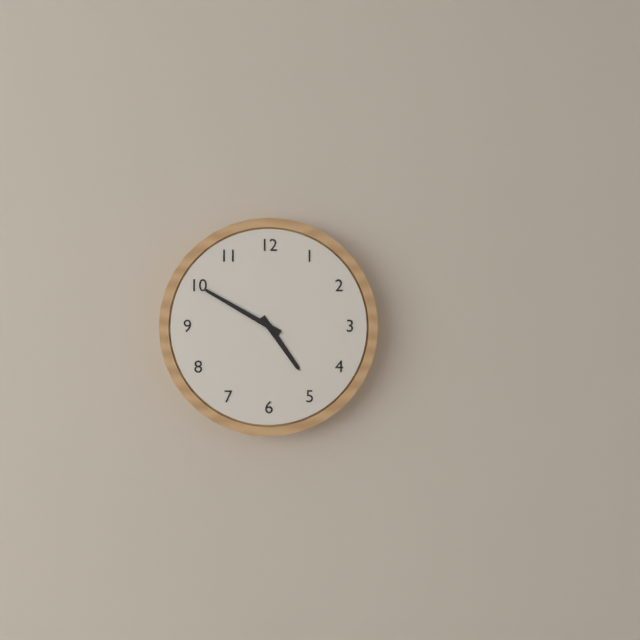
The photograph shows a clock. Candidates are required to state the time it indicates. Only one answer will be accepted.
4:50
